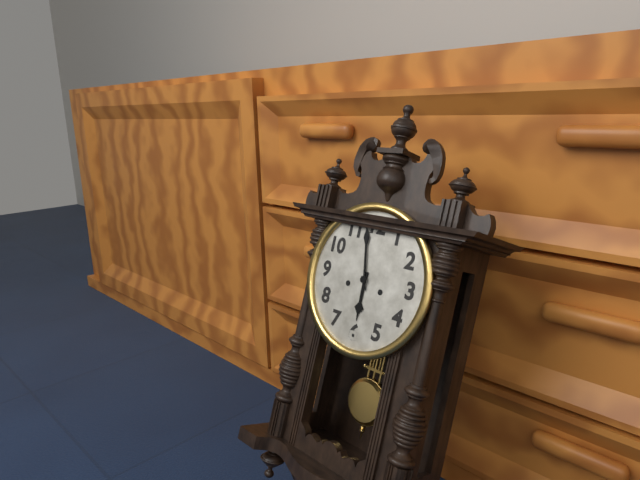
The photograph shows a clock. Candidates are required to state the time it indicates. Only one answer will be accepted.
5:58
